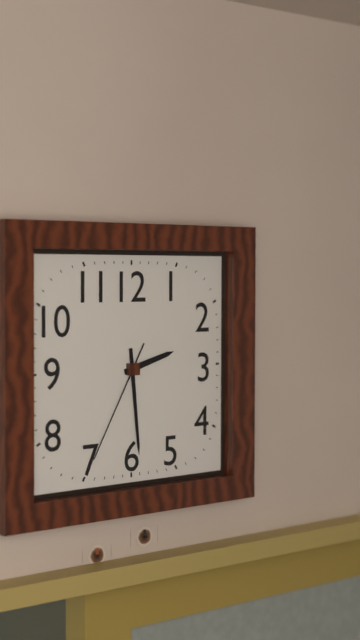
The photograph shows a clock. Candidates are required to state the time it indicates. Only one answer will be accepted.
2:29:35
